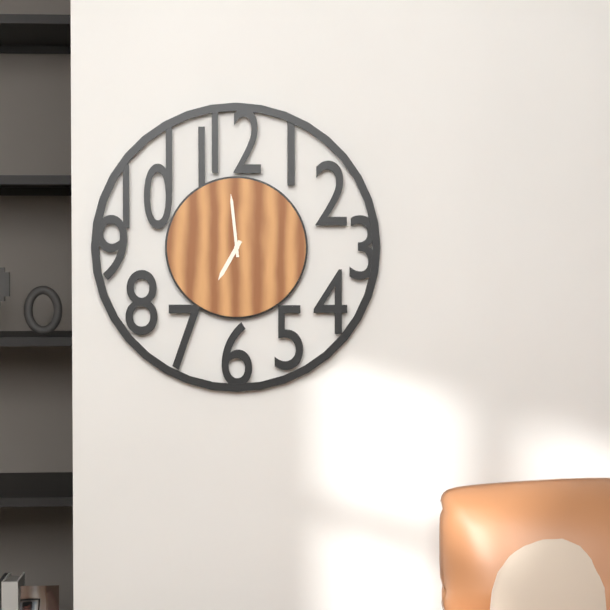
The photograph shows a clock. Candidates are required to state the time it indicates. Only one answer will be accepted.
6:59
